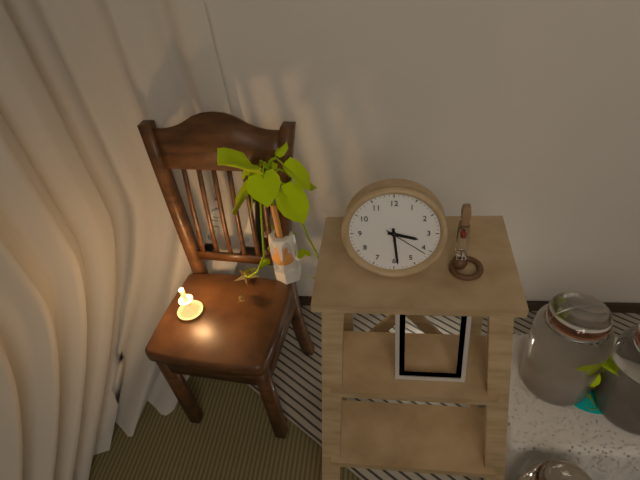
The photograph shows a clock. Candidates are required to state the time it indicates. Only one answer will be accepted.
3:29
